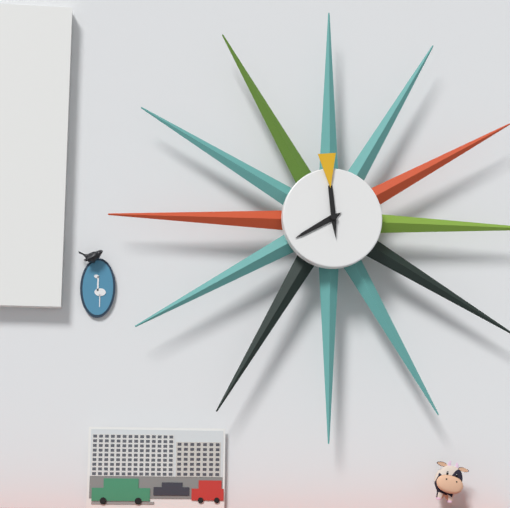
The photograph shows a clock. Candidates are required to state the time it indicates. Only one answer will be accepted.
7:59
